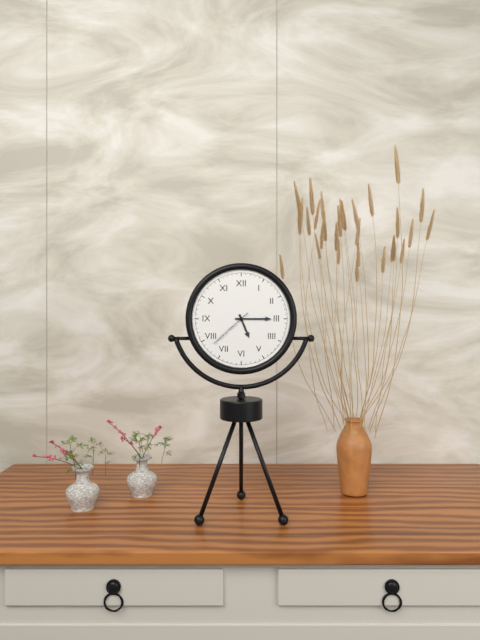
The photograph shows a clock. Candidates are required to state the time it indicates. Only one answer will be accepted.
5:15
